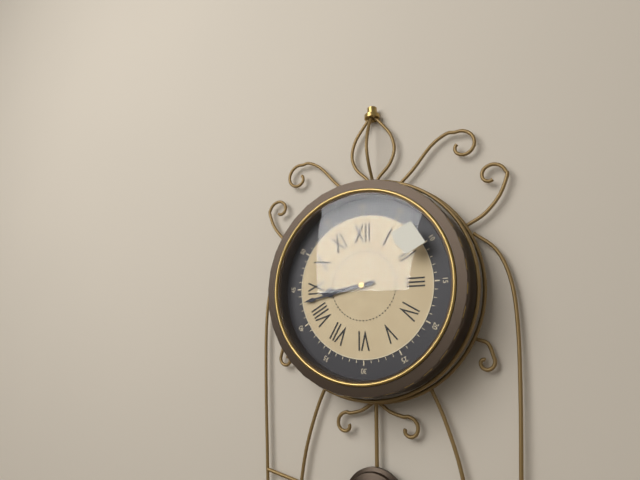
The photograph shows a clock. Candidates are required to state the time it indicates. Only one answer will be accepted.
8:43
